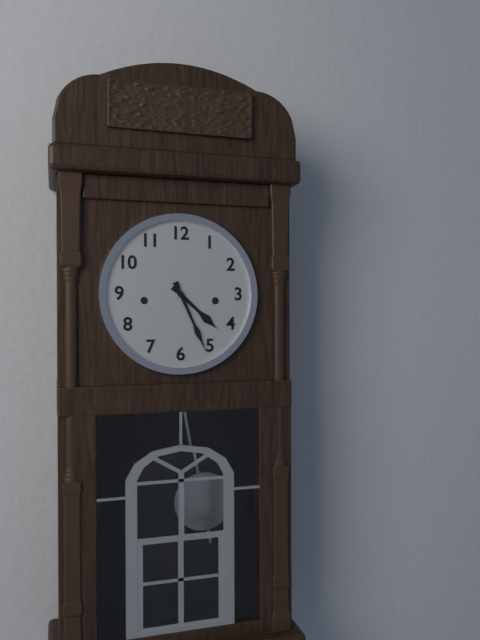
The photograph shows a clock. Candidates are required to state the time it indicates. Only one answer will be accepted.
4:26
